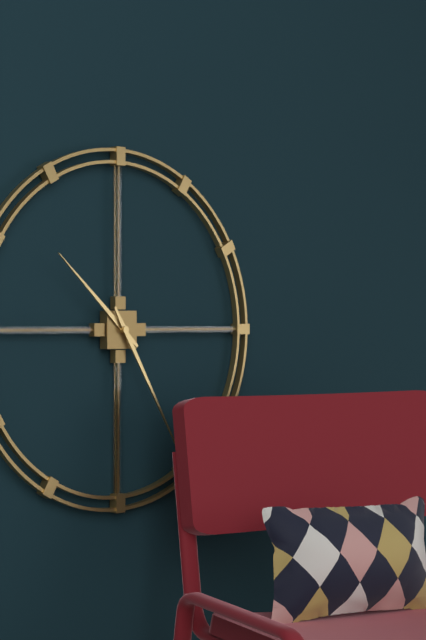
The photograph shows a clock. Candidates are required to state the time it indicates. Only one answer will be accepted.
10:25
